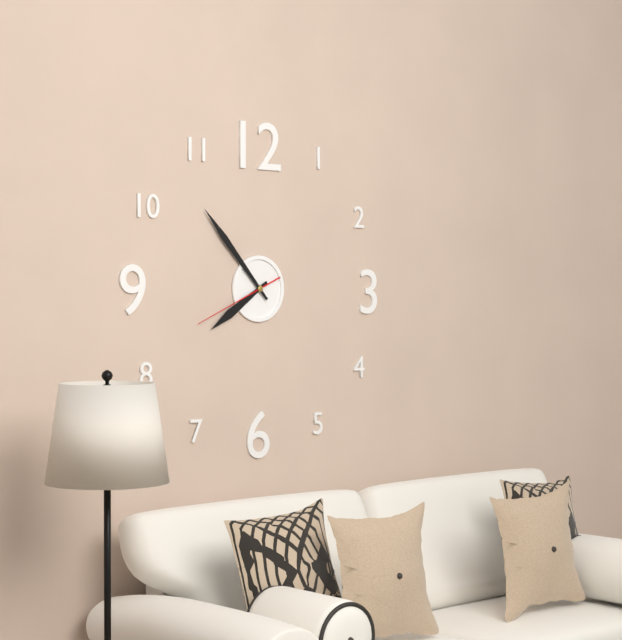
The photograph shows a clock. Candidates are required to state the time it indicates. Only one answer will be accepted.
7:53:41
